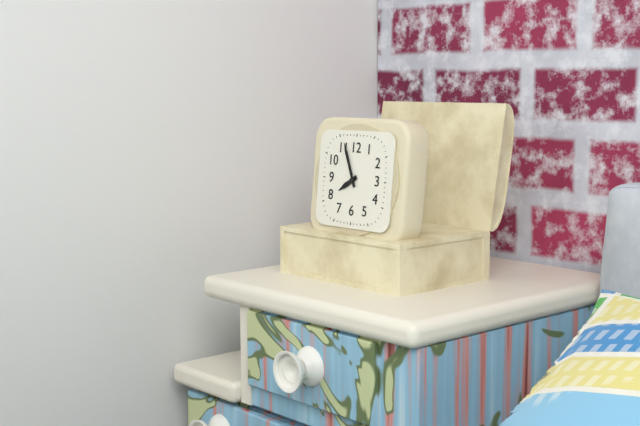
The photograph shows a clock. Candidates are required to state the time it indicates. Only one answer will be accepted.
7:56
